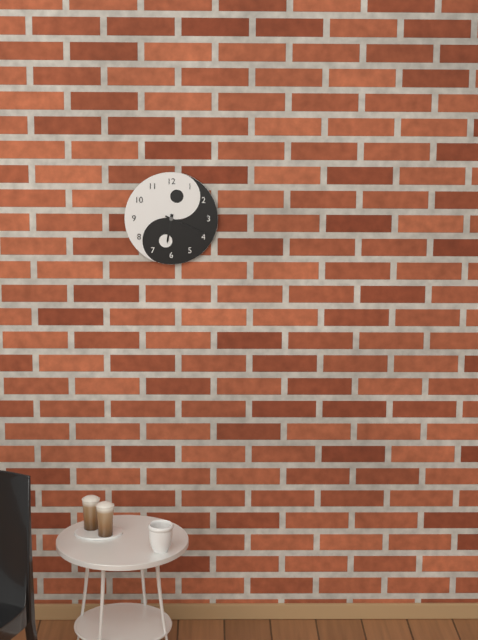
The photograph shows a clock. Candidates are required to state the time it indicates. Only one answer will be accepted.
6:19
